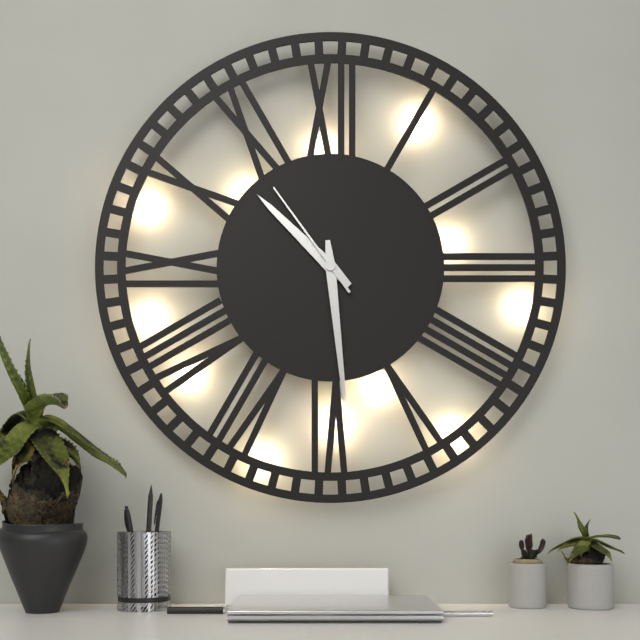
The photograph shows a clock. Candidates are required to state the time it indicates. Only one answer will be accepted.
10:29:54
